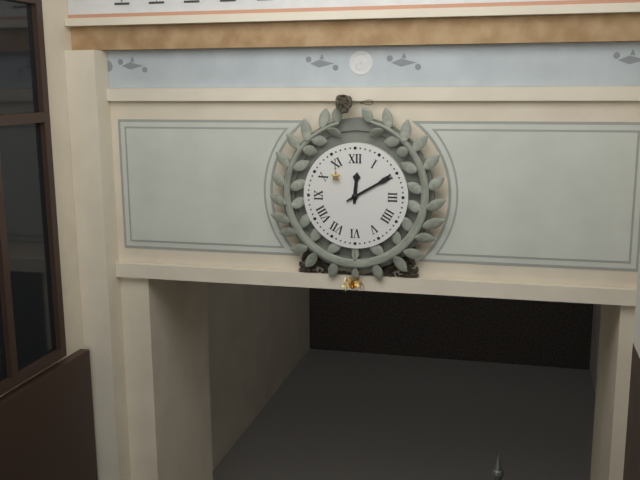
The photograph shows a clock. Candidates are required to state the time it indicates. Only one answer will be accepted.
12:10
